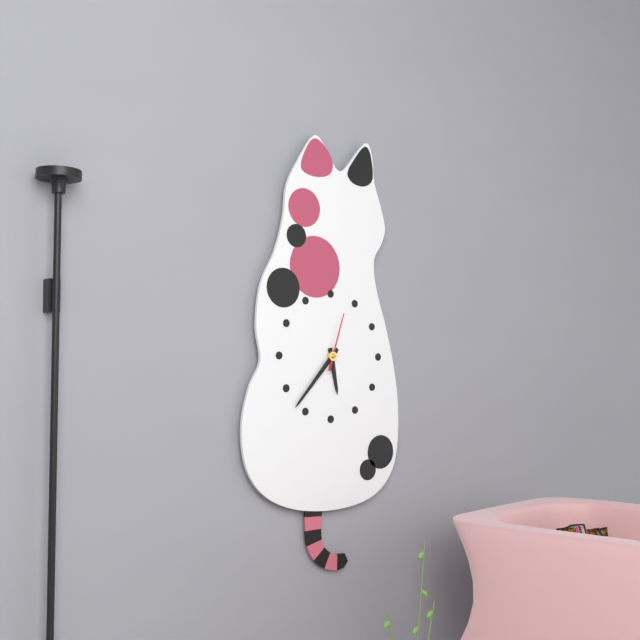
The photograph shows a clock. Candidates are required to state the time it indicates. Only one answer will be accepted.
5:37:03
